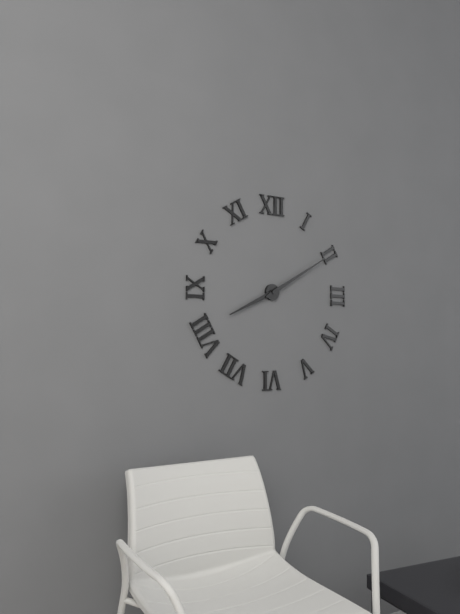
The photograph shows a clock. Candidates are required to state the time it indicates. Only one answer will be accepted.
8:10
